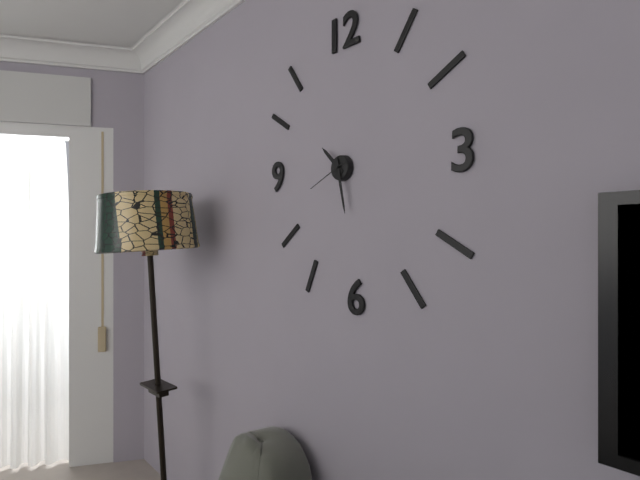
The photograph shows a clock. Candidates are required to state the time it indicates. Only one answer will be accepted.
10:28
